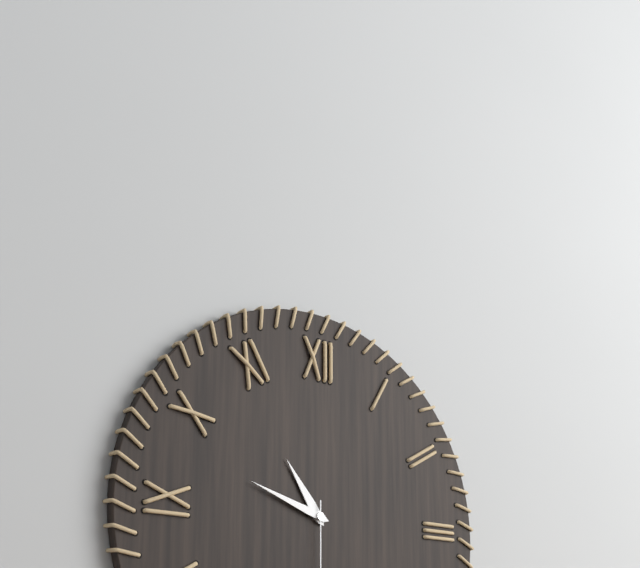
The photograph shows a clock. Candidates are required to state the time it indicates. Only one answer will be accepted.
10:48
